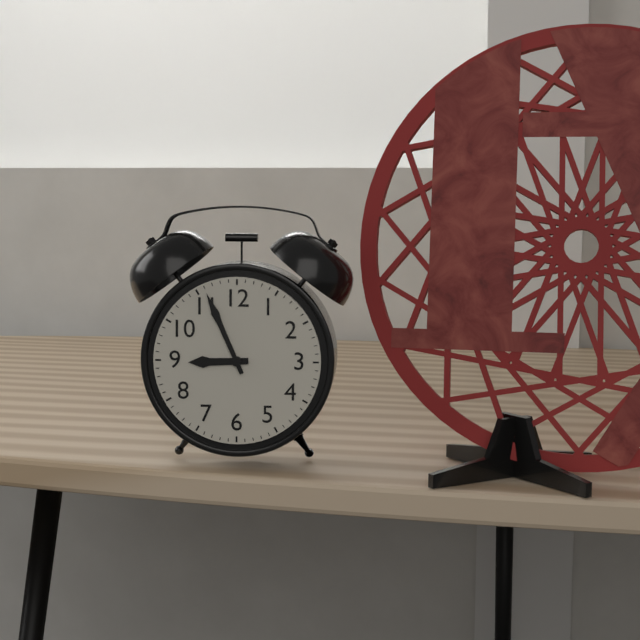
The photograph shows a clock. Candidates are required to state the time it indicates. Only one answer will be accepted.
8:56
